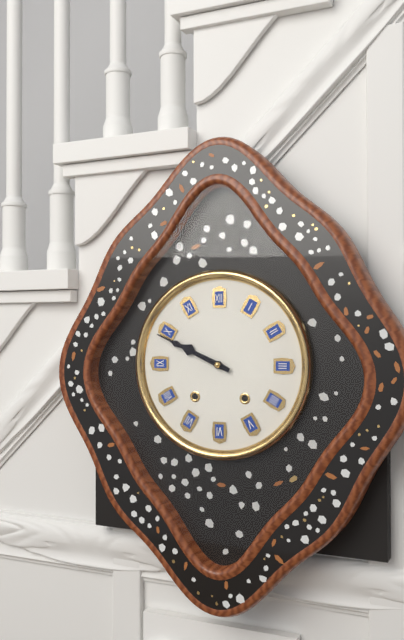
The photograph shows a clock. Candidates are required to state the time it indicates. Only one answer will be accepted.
9:49
